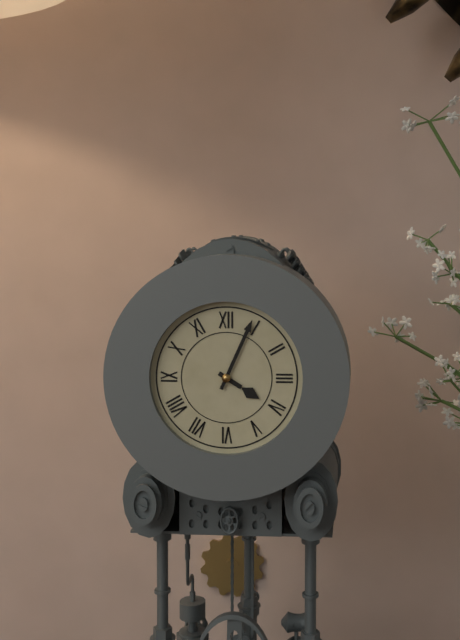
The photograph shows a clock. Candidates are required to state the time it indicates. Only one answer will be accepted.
4:04
